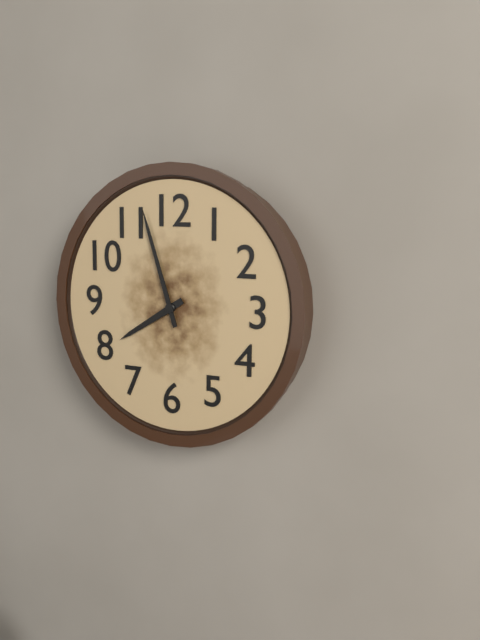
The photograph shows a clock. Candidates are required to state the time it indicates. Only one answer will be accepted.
7:57
